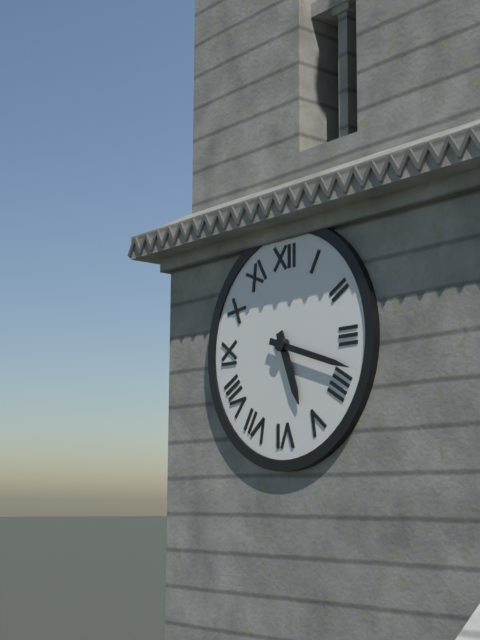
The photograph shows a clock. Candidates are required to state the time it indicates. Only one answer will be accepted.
5:18
